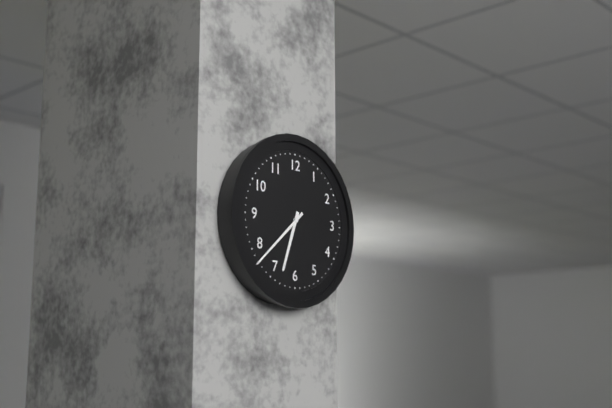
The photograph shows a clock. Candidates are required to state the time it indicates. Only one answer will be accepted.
6:38
